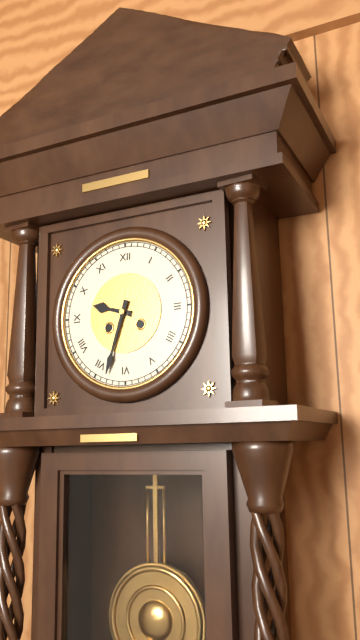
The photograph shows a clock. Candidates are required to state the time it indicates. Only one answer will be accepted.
9:33
